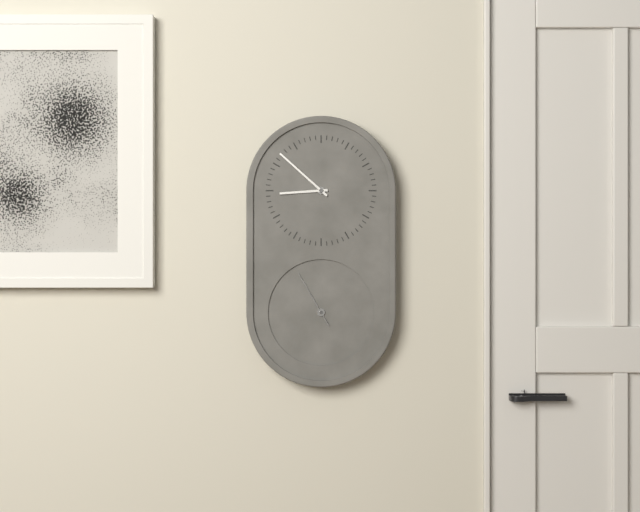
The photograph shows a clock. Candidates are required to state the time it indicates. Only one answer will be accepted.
8:52:55
